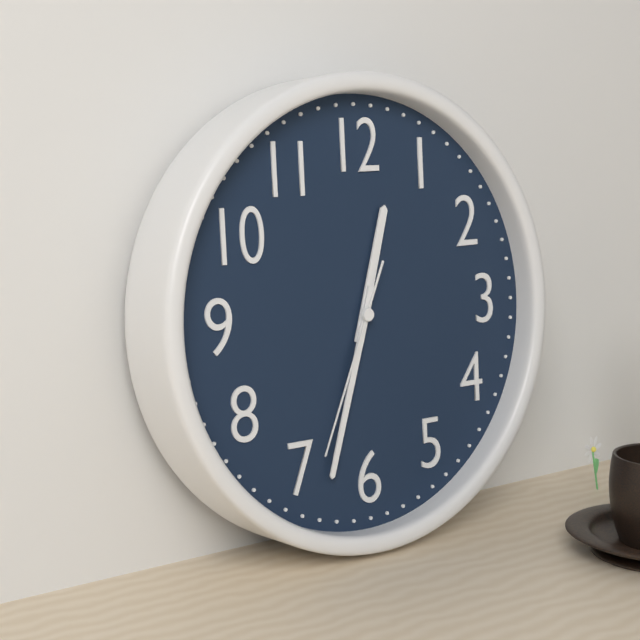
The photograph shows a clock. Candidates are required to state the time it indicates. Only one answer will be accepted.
12:33:34
